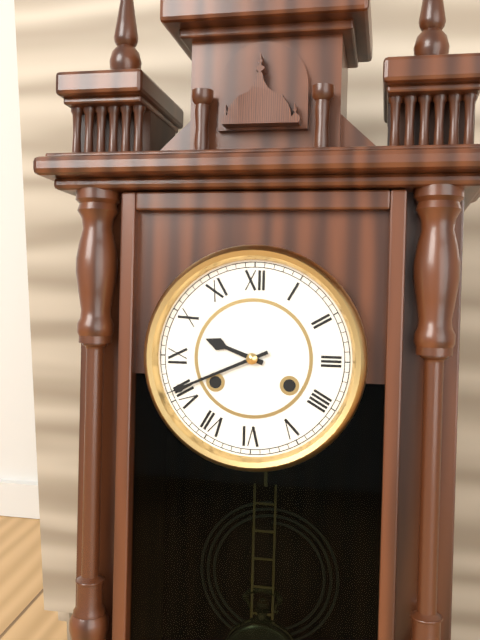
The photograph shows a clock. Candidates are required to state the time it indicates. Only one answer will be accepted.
9:41
